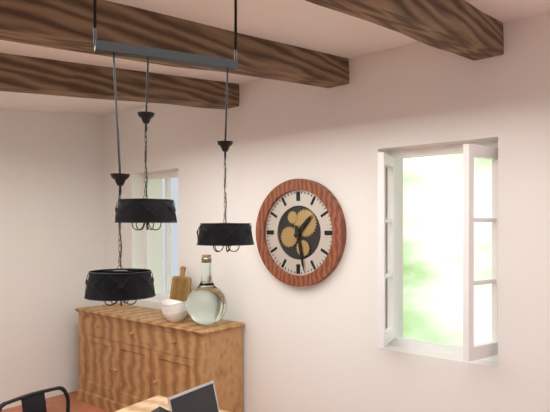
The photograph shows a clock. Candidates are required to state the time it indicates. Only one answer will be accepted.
1:28
